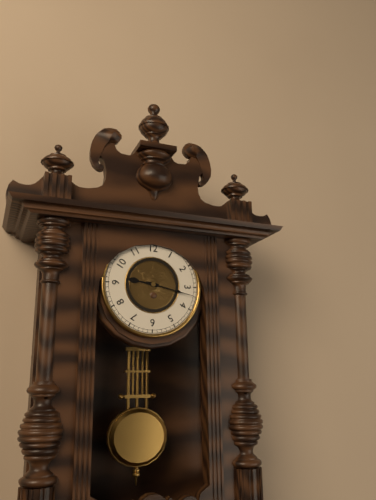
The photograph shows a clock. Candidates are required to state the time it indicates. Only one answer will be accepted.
9:17
